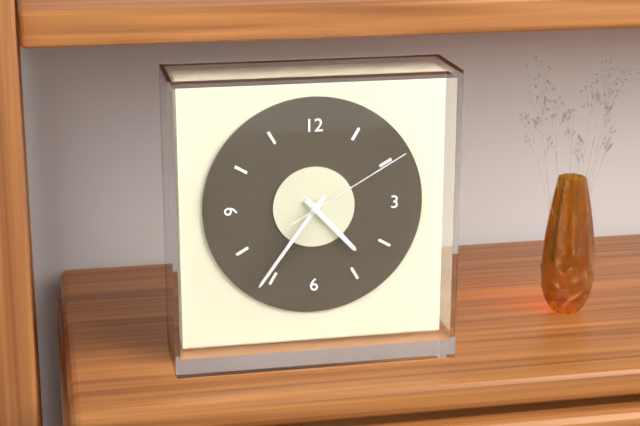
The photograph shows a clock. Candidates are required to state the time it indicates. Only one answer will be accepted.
4:36:10
